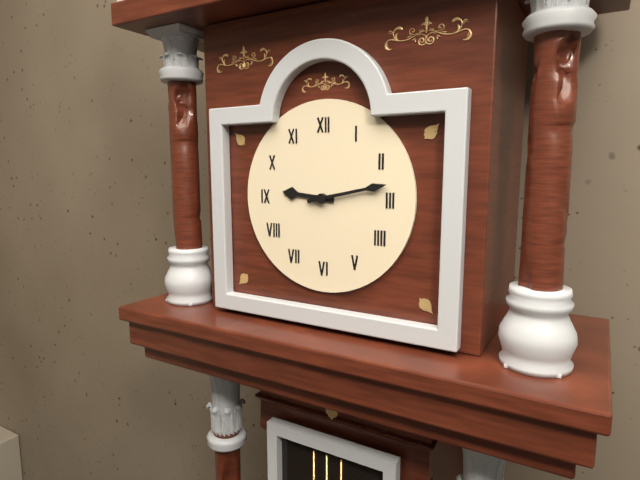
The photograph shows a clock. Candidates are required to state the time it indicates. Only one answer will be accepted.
9:13
